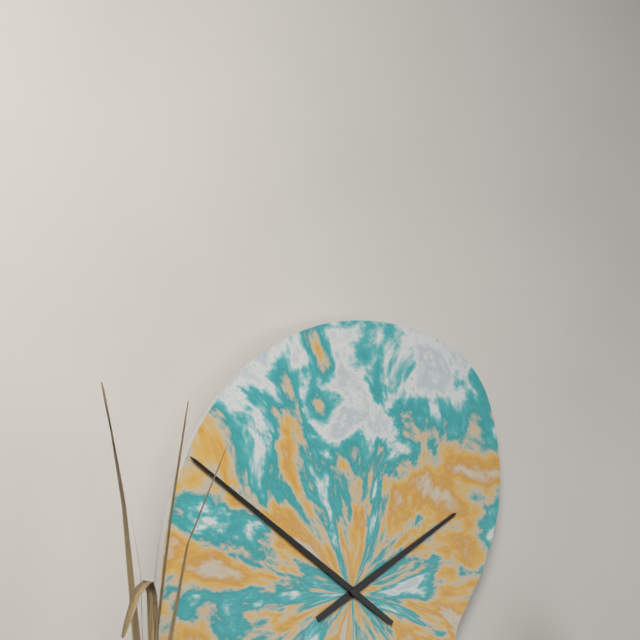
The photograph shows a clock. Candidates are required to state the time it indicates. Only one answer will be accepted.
1:50
